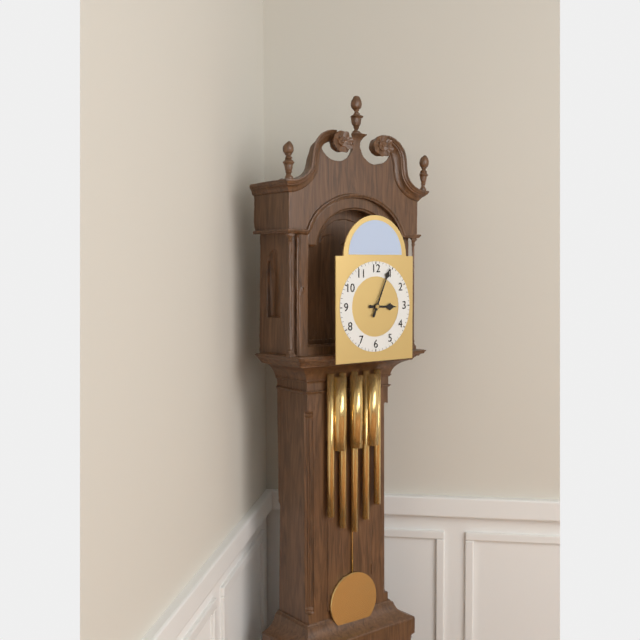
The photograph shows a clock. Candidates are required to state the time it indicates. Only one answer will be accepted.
3:04
